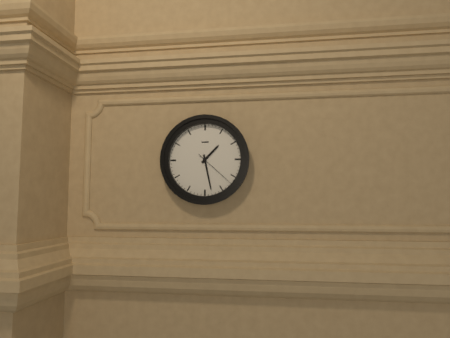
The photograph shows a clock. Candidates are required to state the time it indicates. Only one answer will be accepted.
1:28
